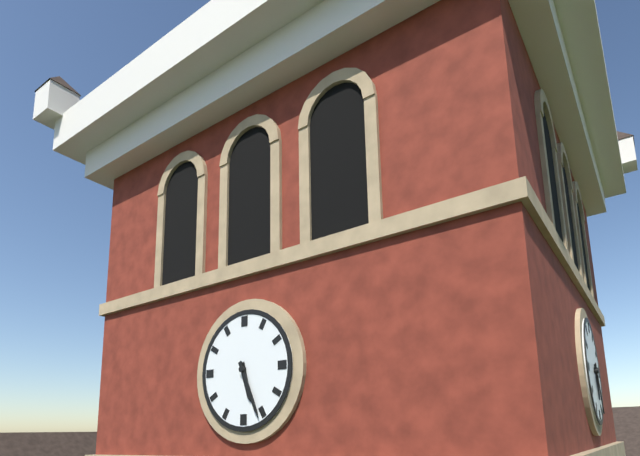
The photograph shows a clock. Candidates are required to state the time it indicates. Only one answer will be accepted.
5:26
